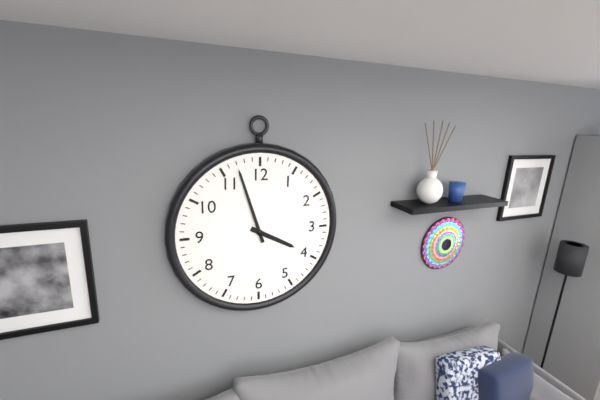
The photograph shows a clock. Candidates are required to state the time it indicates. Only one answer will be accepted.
3:57
